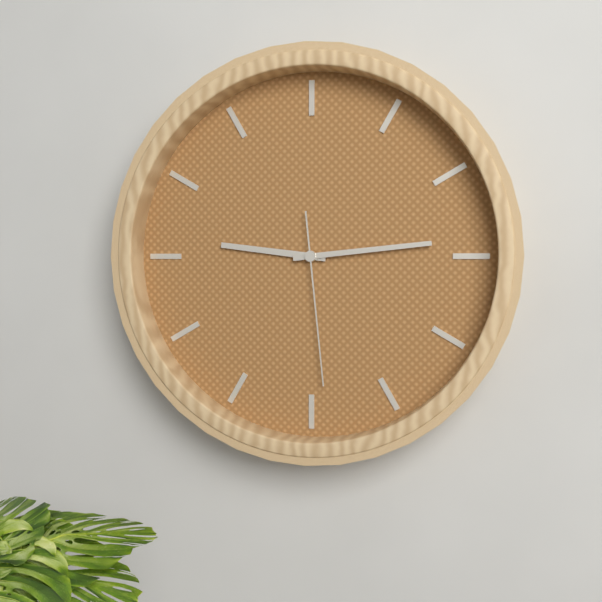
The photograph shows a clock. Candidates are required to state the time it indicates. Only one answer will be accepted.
9:14:29
